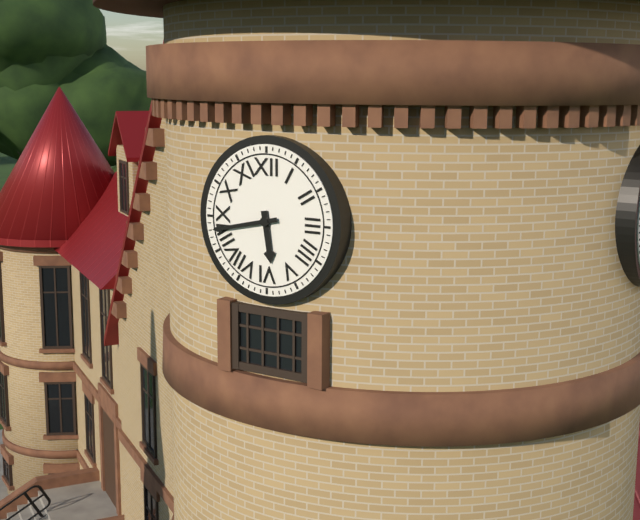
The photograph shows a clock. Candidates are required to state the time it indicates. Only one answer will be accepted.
5:43
